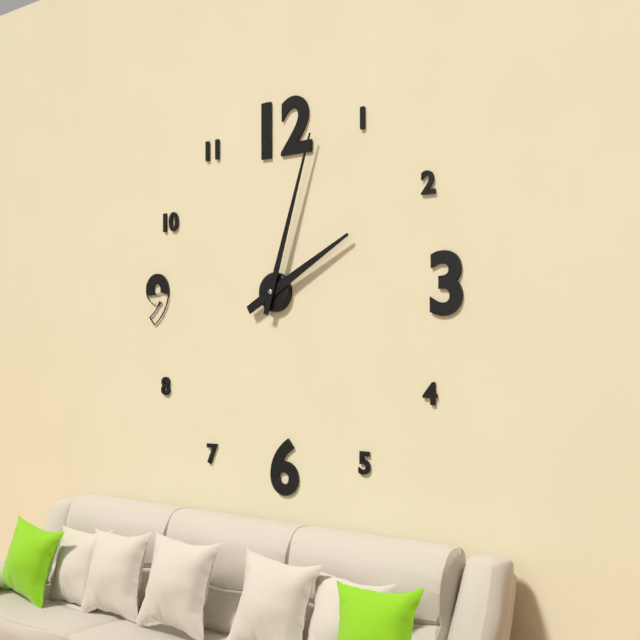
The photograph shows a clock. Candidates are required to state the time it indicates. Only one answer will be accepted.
2:03
